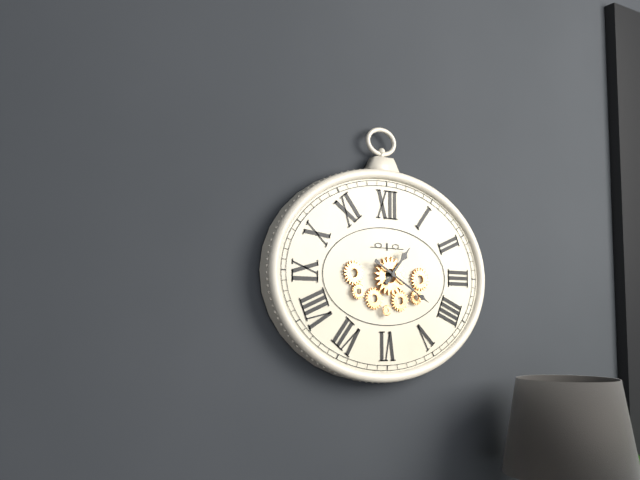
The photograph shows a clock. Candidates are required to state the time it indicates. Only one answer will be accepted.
1:20
